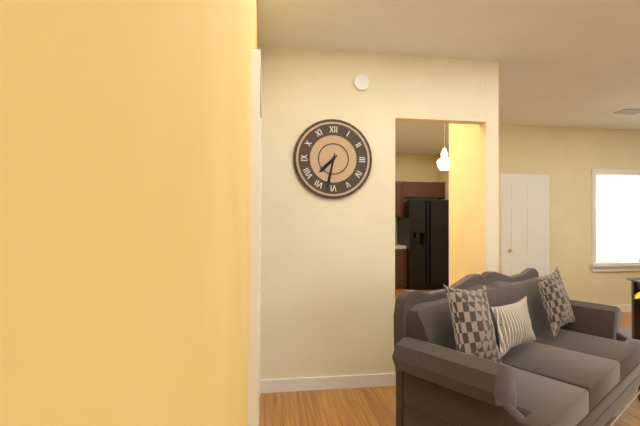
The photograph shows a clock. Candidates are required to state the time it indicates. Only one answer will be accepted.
7:32
